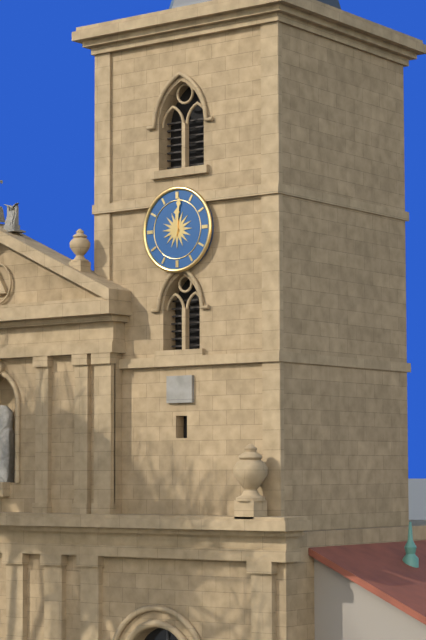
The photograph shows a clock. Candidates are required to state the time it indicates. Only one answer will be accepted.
12:01
